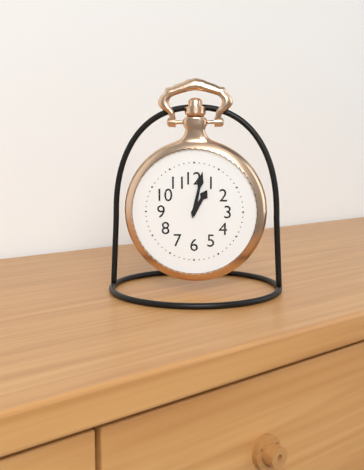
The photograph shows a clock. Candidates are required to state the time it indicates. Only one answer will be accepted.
1:02
